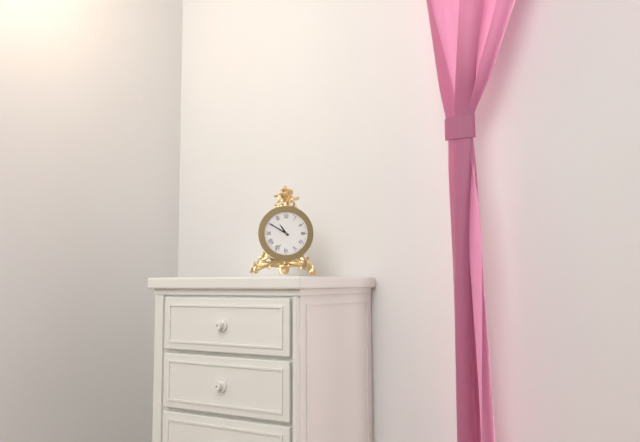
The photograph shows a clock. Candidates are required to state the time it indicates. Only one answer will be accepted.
10:50
